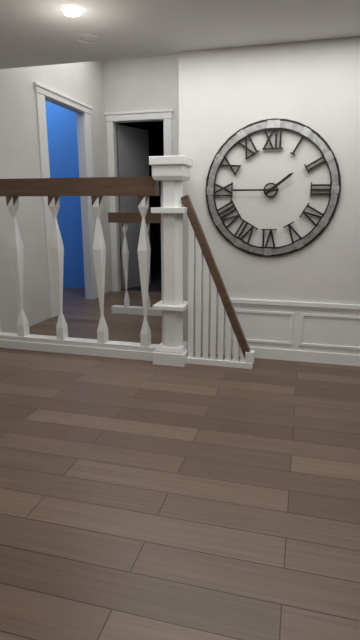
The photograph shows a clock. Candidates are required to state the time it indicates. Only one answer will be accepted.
1:45
